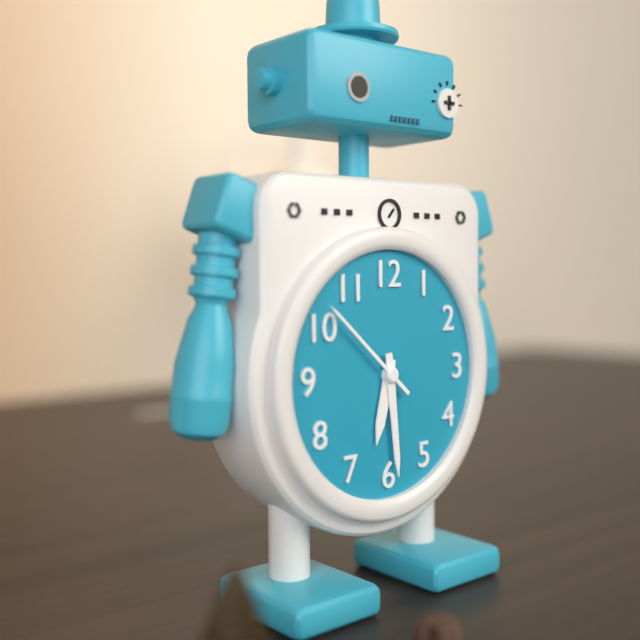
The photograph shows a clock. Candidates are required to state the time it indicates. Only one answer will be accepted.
6:29:52
